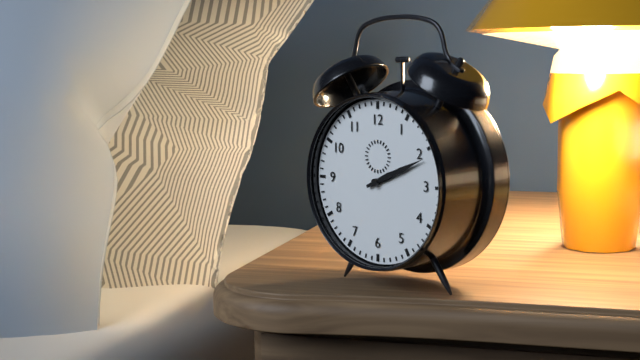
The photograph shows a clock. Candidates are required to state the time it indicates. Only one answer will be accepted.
2:11
